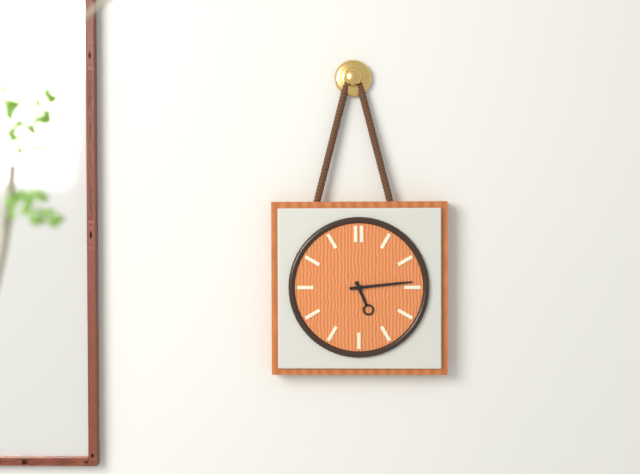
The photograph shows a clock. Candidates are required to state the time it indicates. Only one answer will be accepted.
5:14
